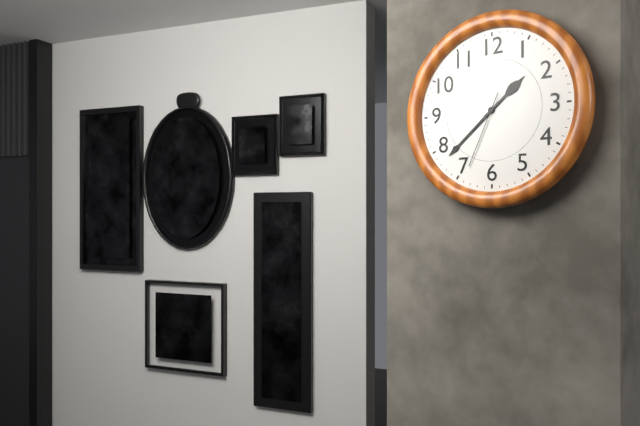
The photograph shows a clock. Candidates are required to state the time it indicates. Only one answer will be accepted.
1:38:34
